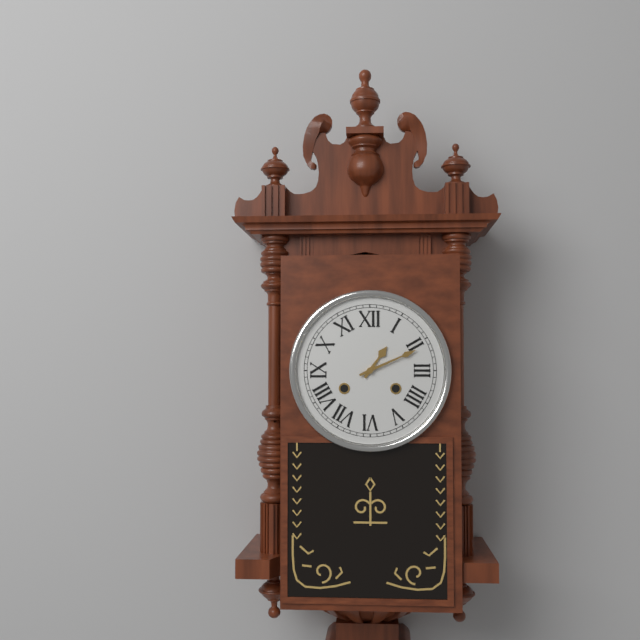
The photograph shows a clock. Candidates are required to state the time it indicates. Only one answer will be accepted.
1:11
